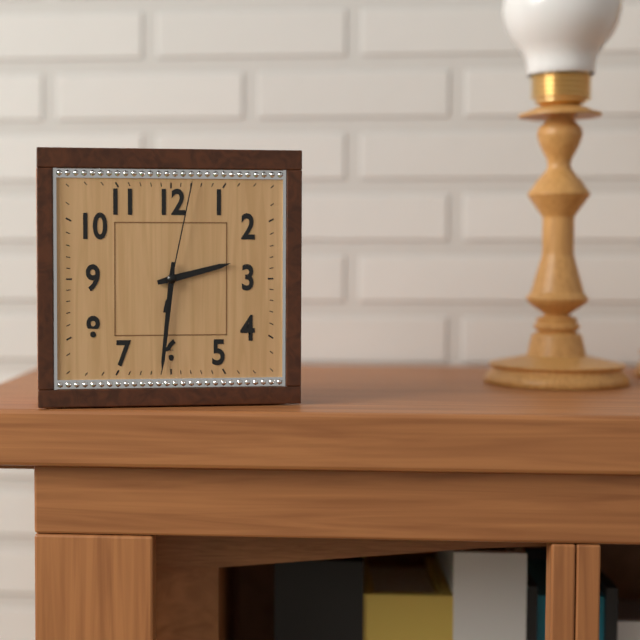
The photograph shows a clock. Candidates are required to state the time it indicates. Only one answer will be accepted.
2:31:02
